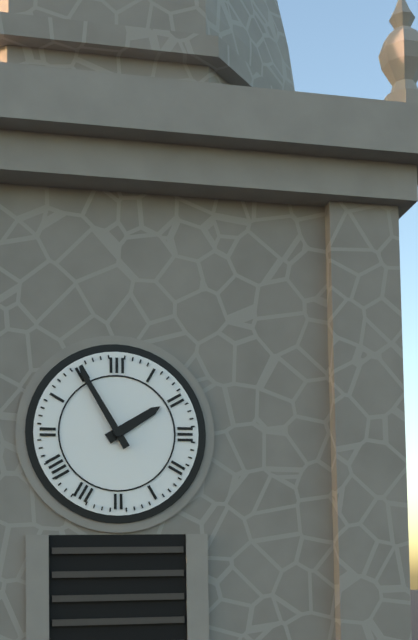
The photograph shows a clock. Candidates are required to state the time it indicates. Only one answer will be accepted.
1:55
